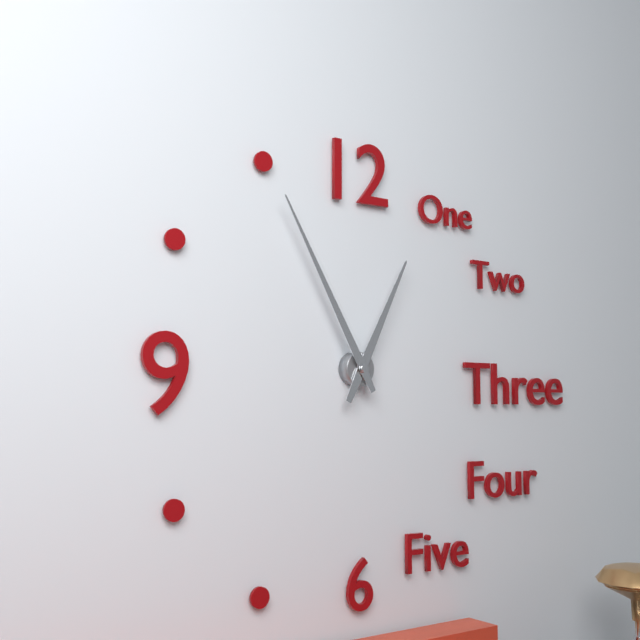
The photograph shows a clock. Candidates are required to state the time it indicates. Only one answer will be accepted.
12:55
